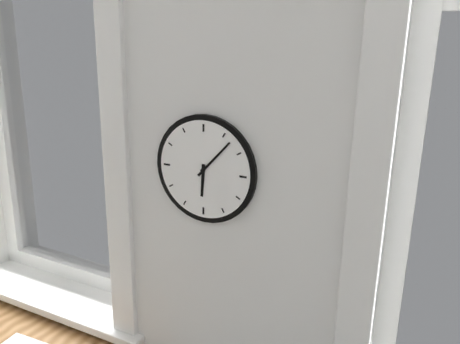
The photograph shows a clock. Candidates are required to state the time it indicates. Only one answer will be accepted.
6:07
